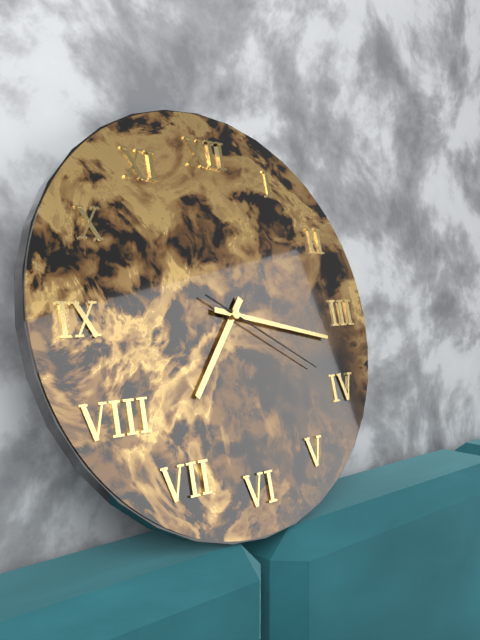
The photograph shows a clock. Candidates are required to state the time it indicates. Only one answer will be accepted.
7:17:20
